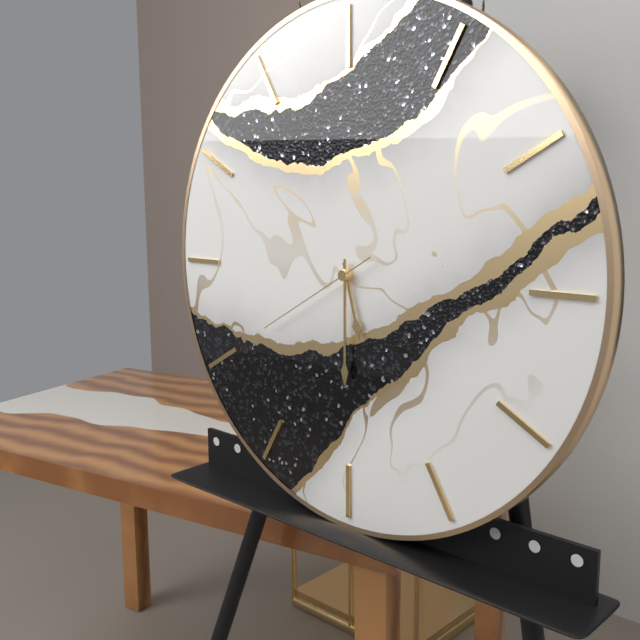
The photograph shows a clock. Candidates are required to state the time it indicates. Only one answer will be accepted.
5:30:40
